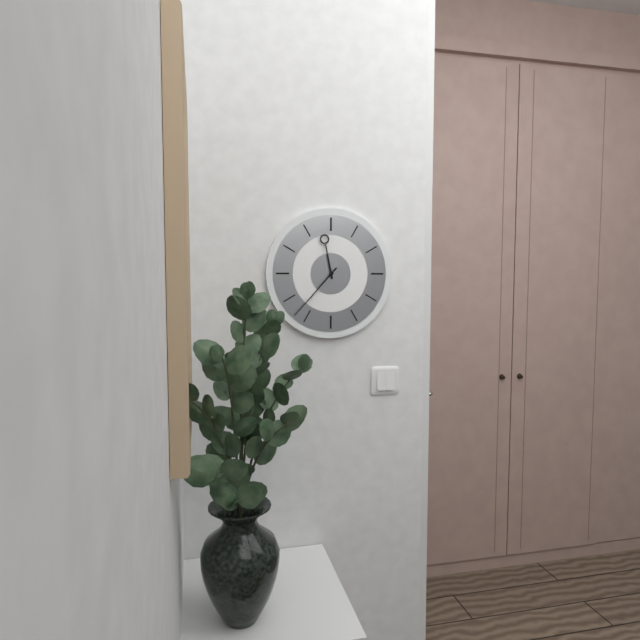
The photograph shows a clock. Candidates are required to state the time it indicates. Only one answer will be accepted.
11:37
